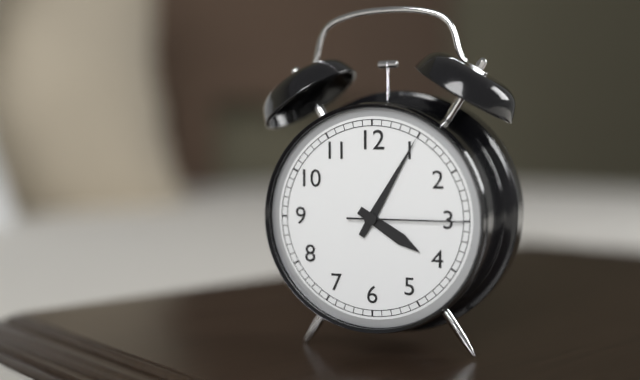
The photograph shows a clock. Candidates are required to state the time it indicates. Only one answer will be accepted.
4:05:15
